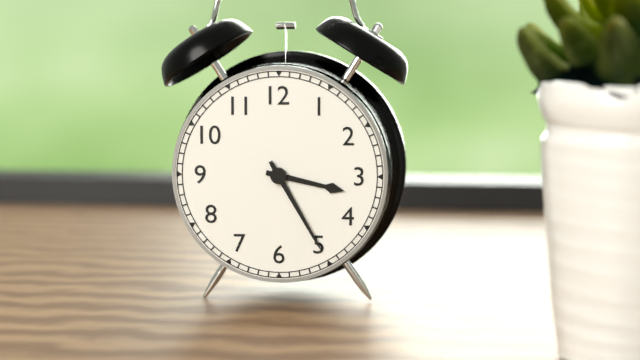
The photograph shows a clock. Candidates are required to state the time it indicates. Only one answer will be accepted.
3:25
